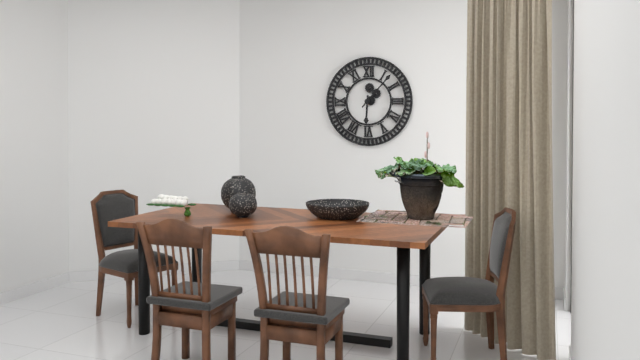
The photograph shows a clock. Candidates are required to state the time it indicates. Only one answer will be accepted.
6:07
